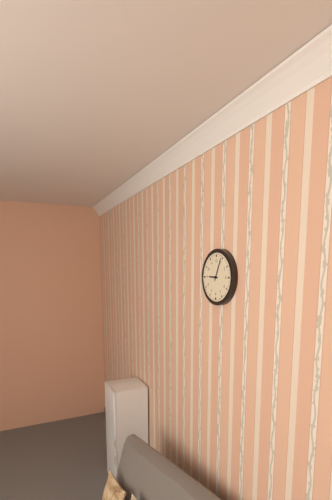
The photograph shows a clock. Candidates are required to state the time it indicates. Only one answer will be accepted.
9:04
